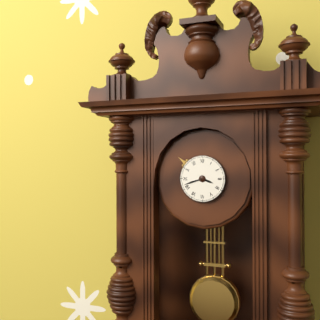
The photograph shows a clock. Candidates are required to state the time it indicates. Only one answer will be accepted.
3:42
